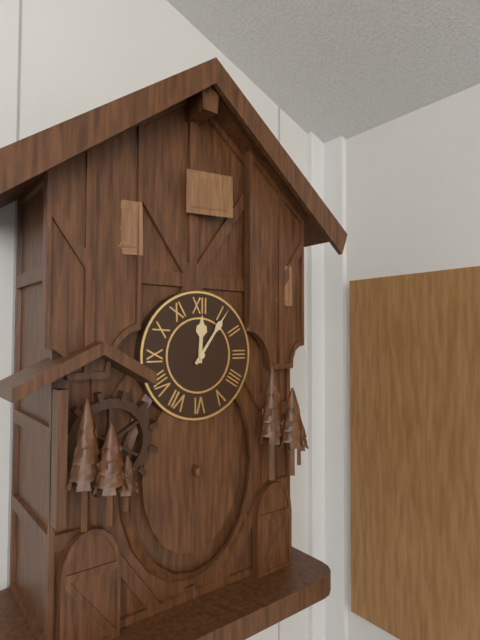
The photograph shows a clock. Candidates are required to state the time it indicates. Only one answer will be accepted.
12:06
